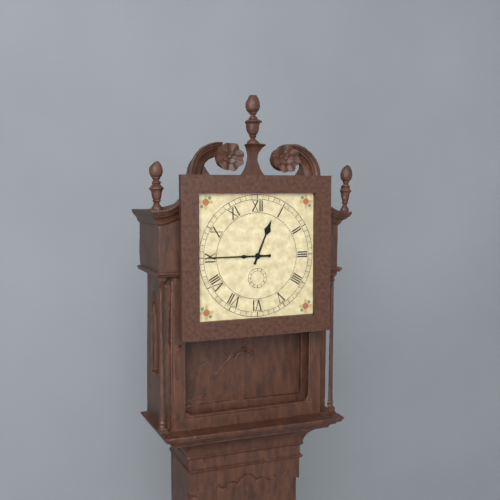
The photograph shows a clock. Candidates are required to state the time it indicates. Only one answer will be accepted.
12:45
